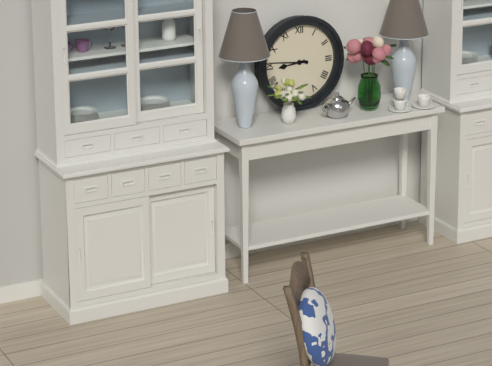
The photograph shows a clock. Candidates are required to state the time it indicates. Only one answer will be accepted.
8:46
